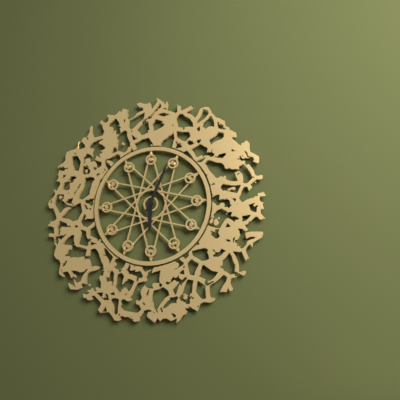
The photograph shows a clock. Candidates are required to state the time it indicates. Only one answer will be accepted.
6:04
